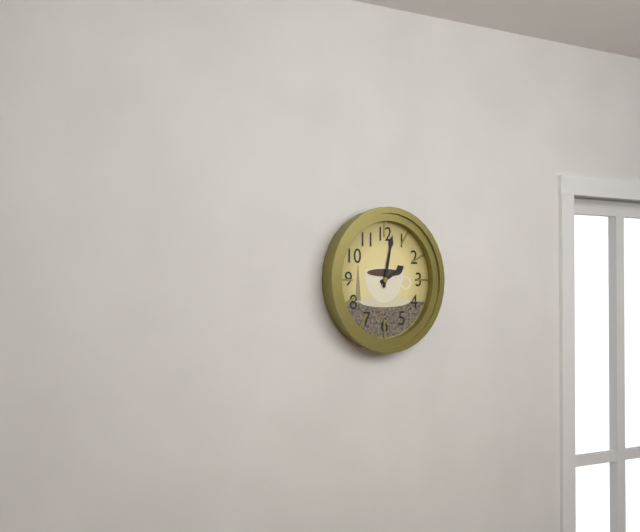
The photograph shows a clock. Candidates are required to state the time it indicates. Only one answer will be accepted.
2:02
